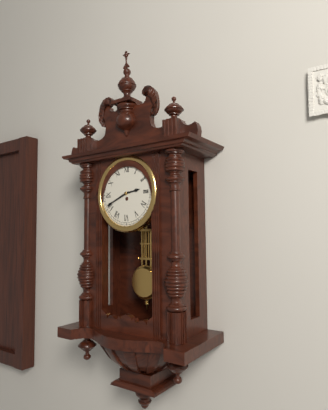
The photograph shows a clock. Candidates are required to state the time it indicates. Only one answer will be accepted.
2:41
